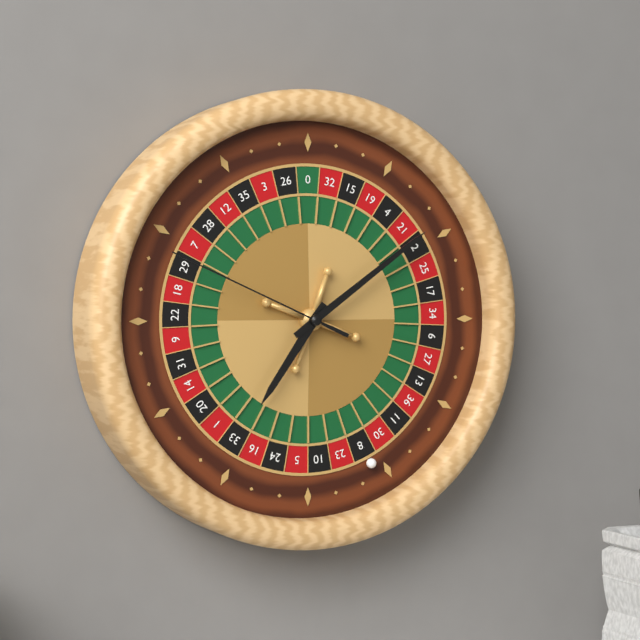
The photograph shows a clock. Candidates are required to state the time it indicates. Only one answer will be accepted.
7:09:49
